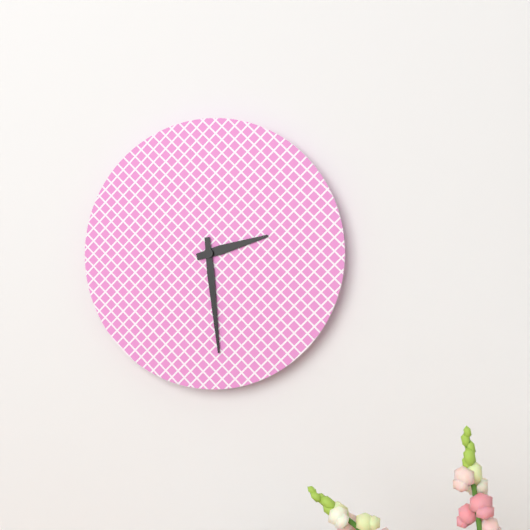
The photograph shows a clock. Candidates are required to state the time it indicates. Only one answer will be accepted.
2:29
